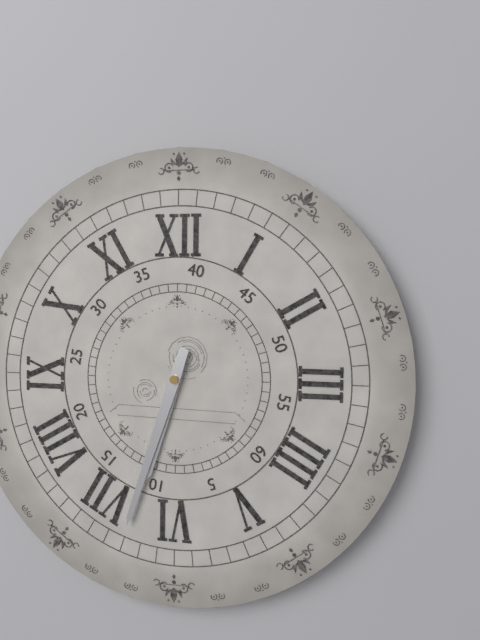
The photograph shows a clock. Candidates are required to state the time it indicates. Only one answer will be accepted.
6:33
